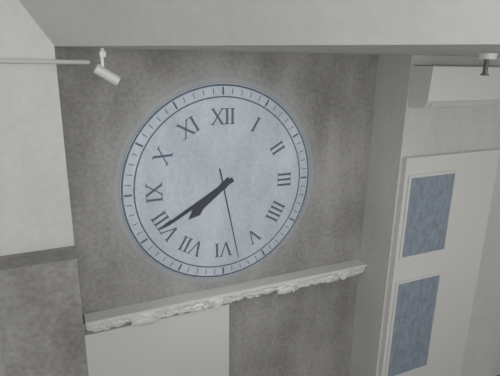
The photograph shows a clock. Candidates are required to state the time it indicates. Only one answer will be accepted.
7:40:28
